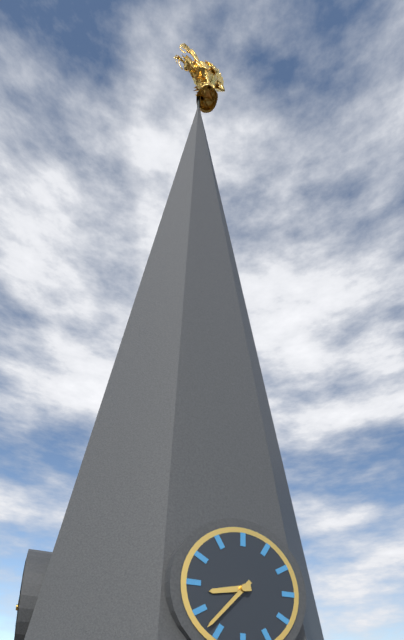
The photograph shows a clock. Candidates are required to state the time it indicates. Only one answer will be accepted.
8:37
